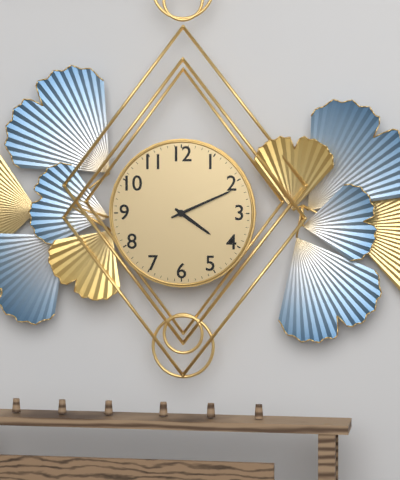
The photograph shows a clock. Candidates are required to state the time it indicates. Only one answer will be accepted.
4:11
